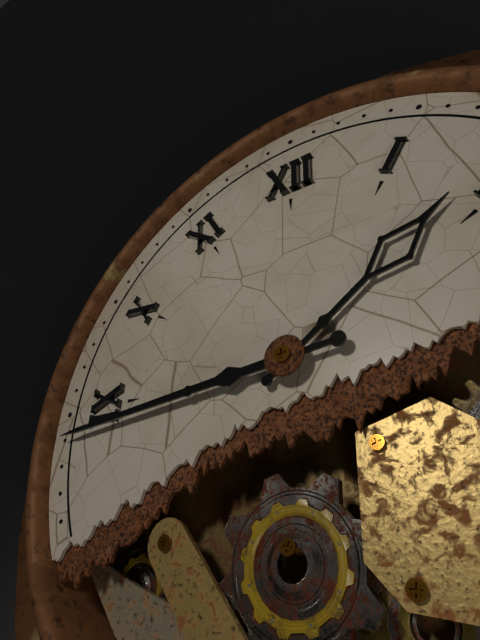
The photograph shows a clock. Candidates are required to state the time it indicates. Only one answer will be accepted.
1:44
